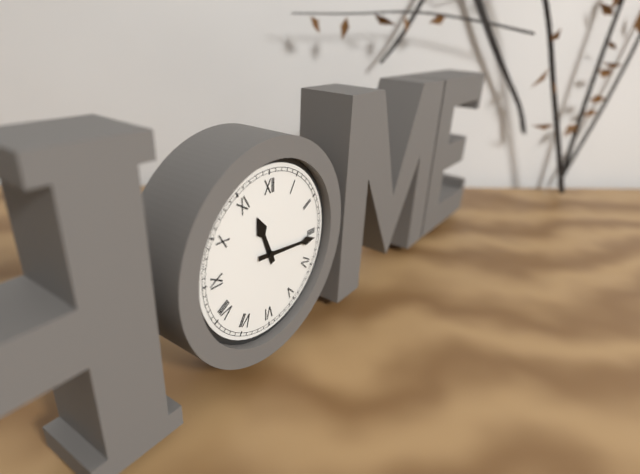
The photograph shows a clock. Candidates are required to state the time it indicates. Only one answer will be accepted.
11:16
